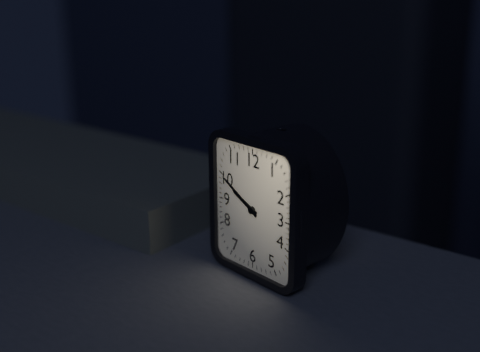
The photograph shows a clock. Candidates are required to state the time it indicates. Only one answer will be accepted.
9:50
